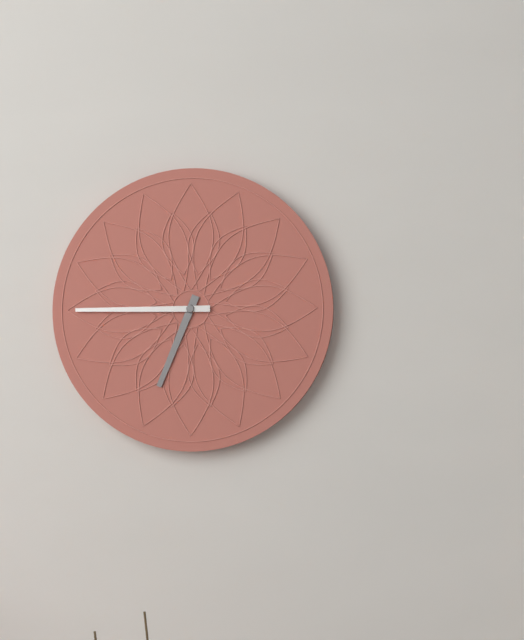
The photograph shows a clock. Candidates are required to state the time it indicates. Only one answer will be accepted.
6:45
